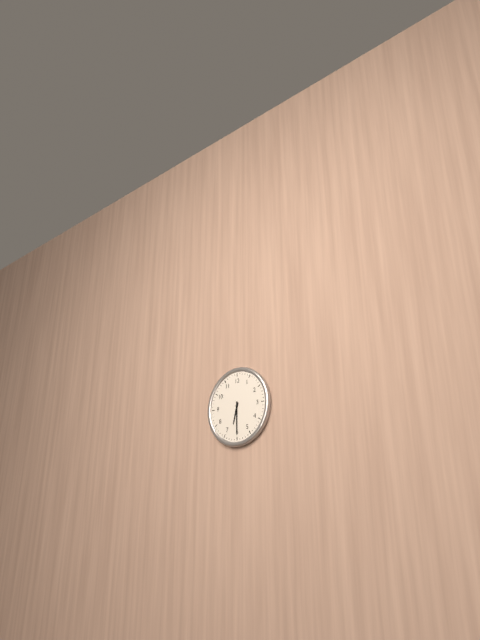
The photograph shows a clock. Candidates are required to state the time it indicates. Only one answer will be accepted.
6:30
